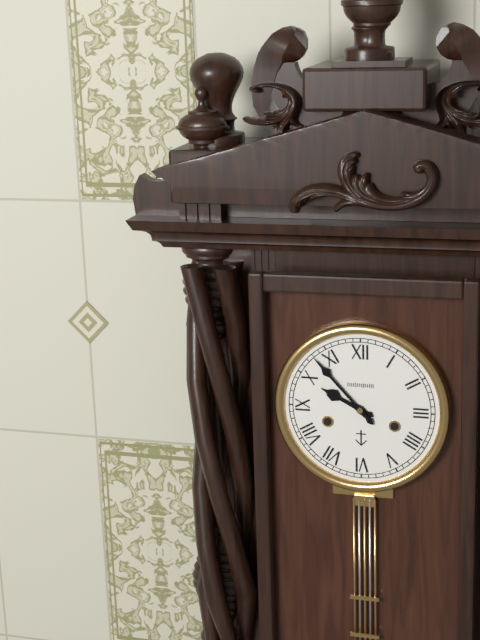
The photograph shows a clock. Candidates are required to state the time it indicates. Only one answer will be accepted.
9:53
